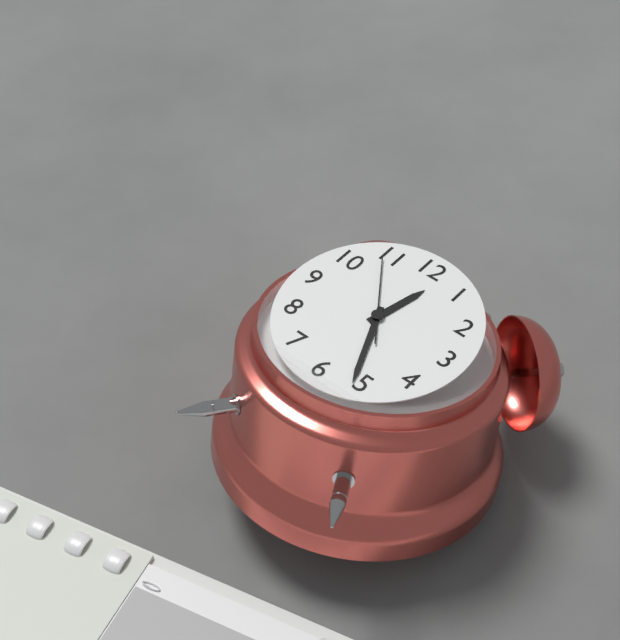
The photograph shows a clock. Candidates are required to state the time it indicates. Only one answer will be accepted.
12:26:54
